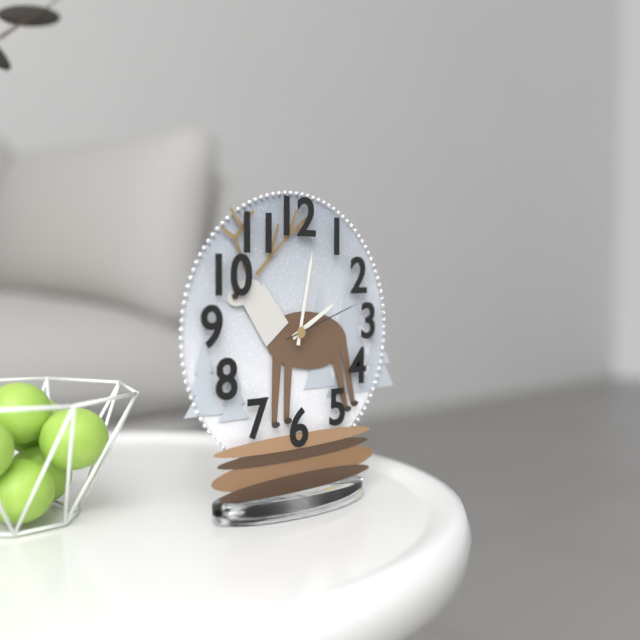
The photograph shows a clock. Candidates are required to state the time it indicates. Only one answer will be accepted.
2:02:12
